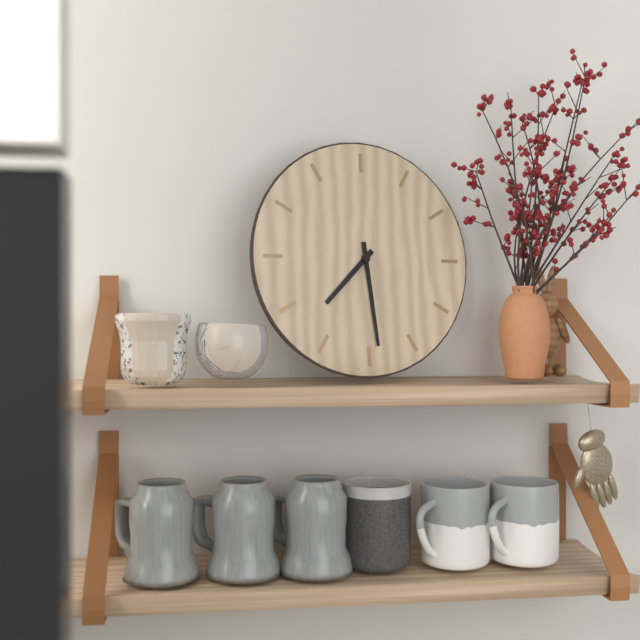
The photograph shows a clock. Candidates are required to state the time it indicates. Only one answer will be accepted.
7:29
